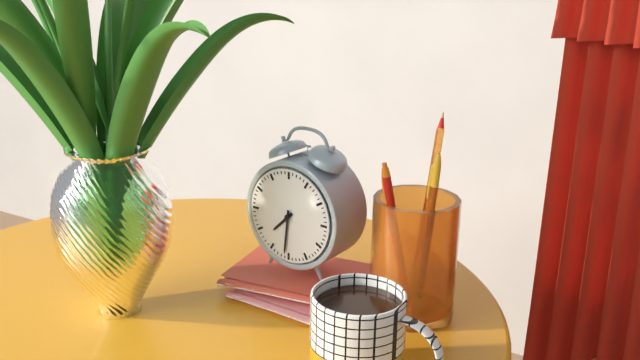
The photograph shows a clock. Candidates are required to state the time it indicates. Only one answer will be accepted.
7:31
